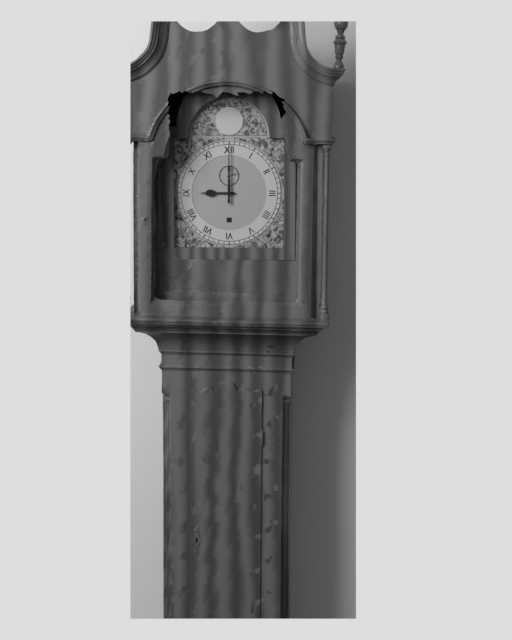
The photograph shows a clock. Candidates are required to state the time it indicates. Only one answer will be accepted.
9:00
